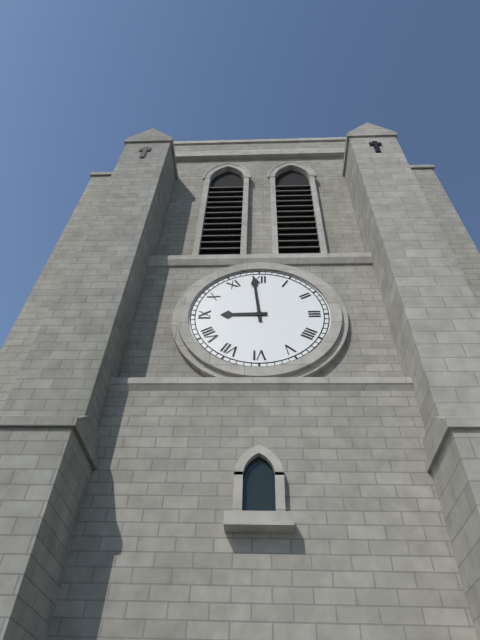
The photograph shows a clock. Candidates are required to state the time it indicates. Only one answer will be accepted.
8:59
